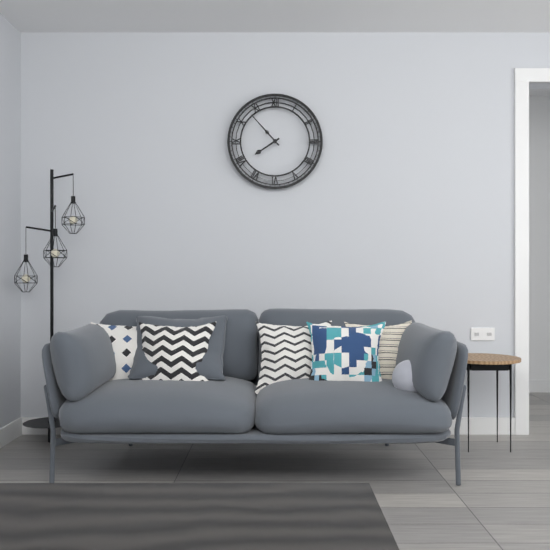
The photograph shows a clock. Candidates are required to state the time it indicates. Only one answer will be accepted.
7:53
